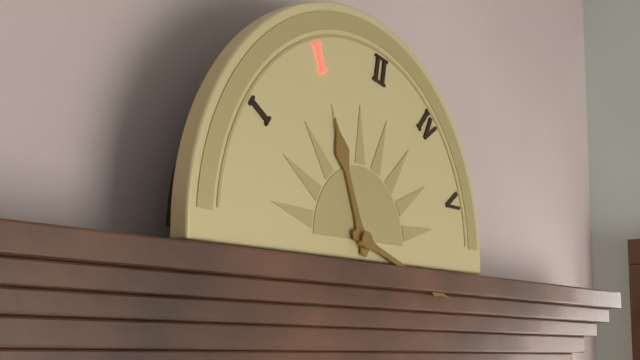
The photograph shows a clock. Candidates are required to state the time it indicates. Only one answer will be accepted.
11:18
